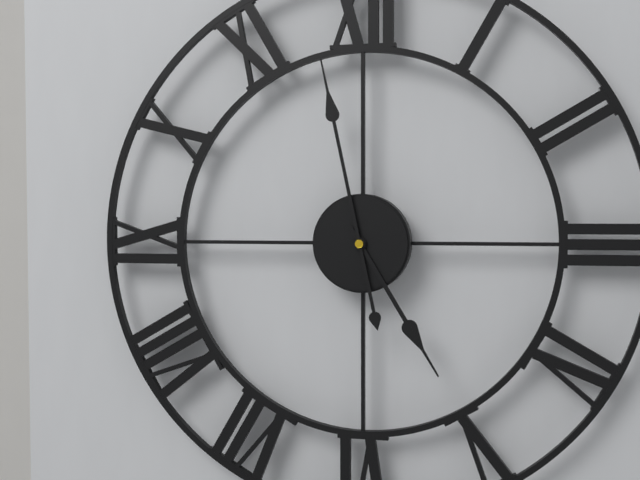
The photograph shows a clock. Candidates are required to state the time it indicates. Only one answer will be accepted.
4:58
